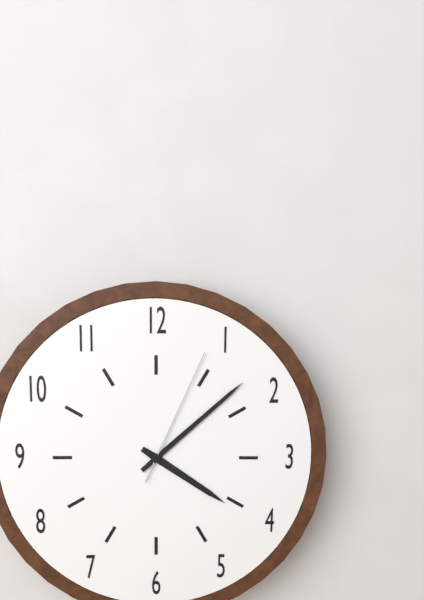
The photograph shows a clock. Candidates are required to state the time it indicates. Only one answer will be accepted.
4:08:04
